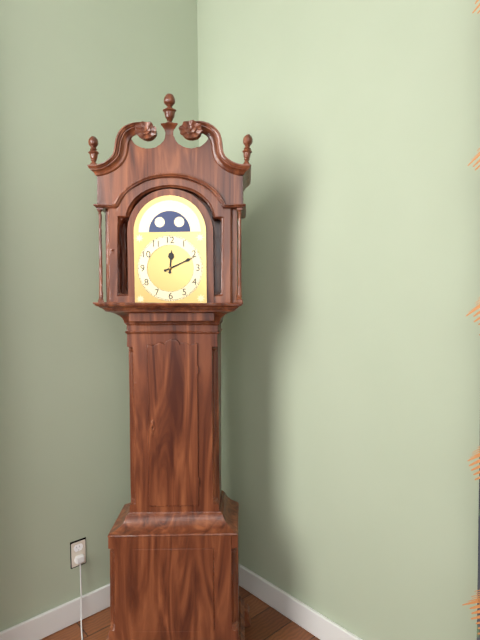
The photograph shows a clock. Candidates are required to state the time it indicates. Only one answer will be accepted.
12:11
